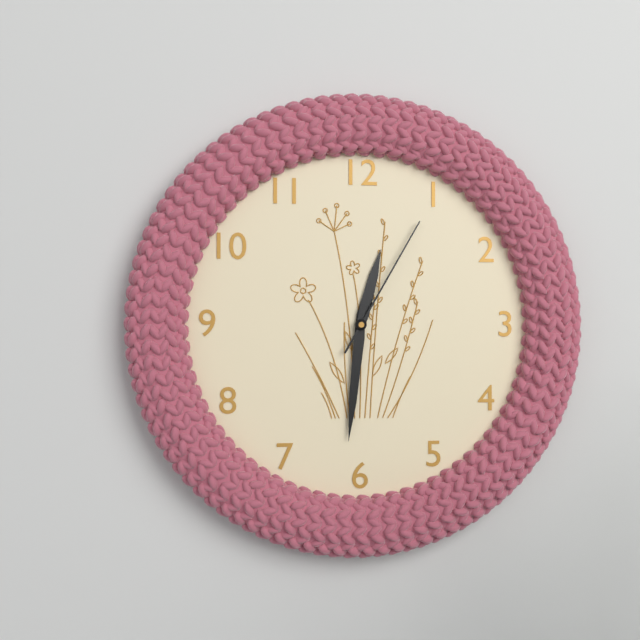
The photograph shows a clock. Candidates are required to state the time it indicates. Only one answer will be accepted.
12:31:05
